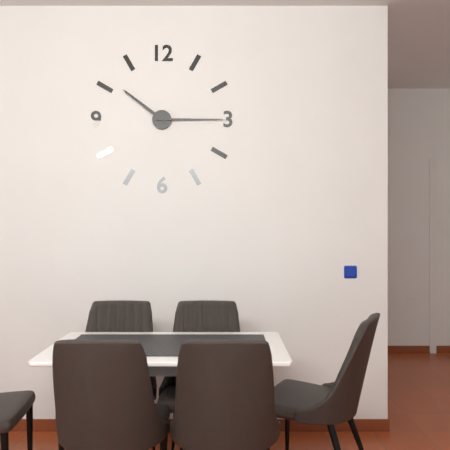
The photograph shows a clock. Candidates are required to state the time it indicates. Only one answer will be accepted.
10:15
